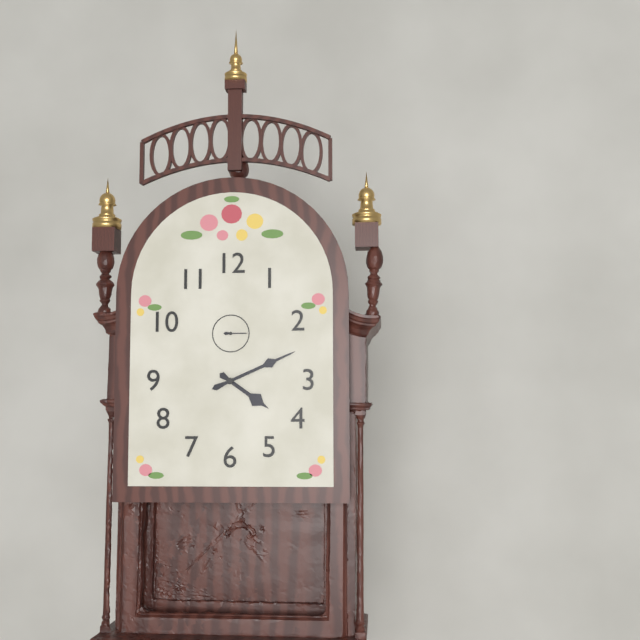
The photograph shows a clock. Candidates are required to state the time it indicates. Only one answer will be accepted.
4:11
